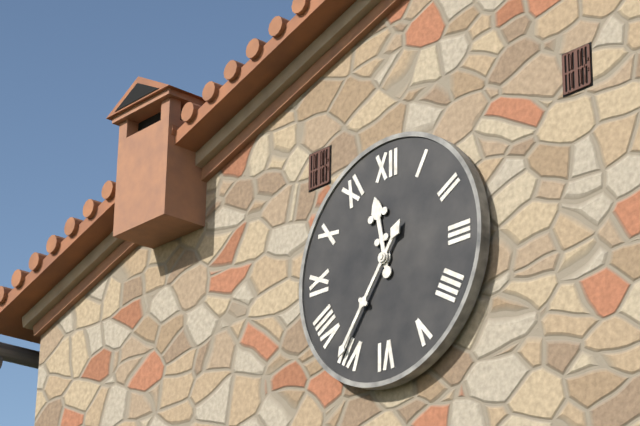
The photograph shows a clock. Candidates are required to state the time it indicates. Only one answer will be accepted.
11:36
